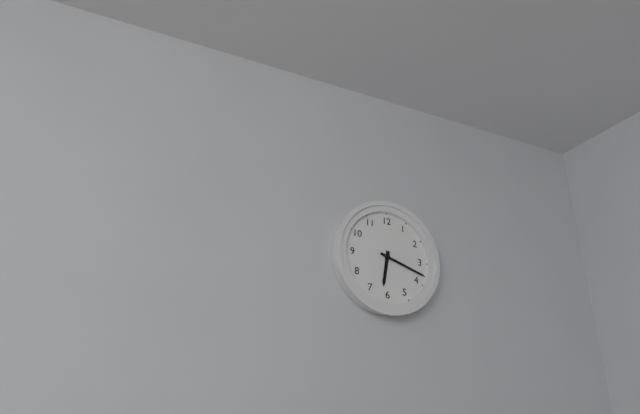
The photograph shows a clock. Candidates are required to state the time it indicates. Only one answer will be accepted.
6:18
